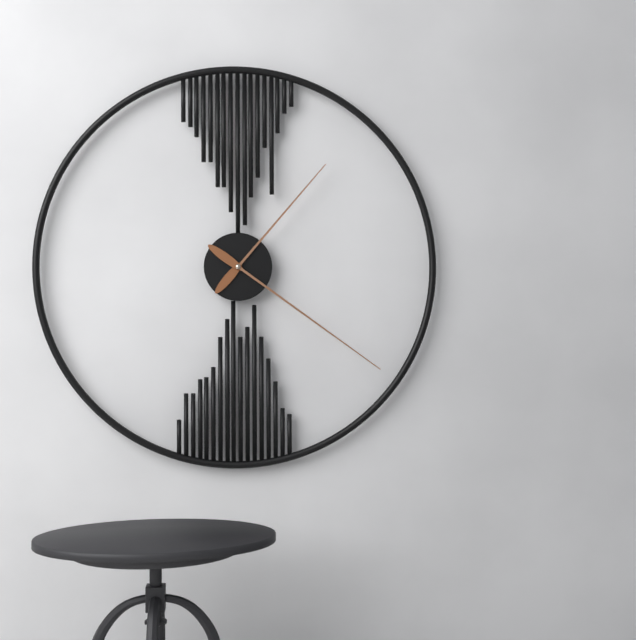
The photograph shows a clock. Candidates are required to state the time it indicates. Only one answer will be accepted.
1:21
